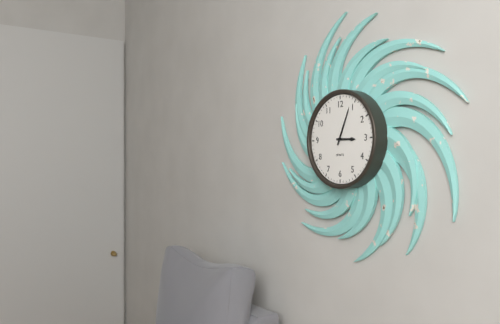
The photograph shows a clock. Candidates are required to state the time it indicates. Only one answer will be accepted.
3:04
